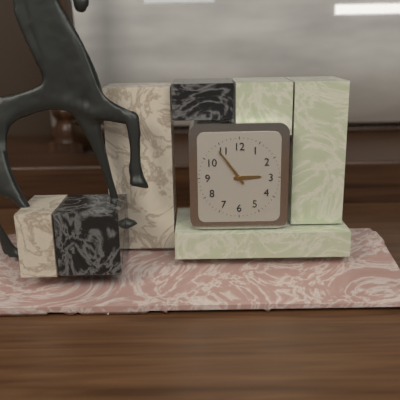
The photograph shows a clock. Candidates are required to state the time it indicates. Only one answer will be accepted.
2:54
